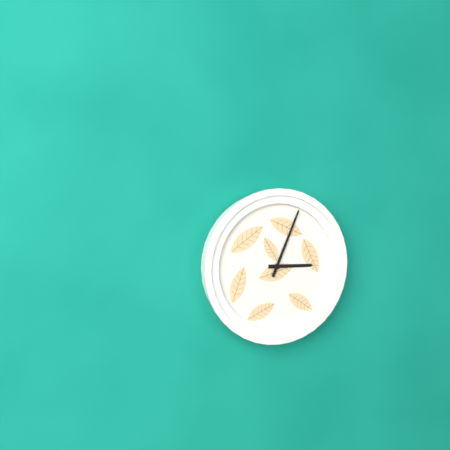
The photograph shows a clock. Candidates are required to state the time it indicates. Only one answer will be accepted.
3:04
